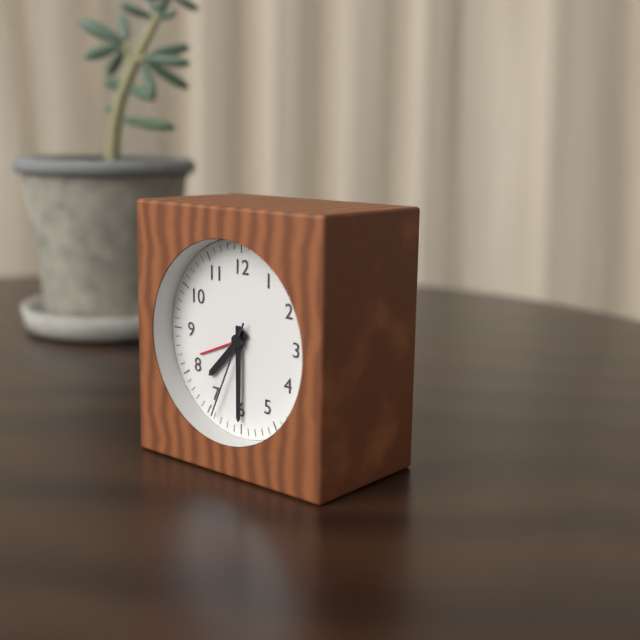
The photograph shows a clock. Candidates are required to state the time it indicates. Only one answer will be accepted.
7:30:34
